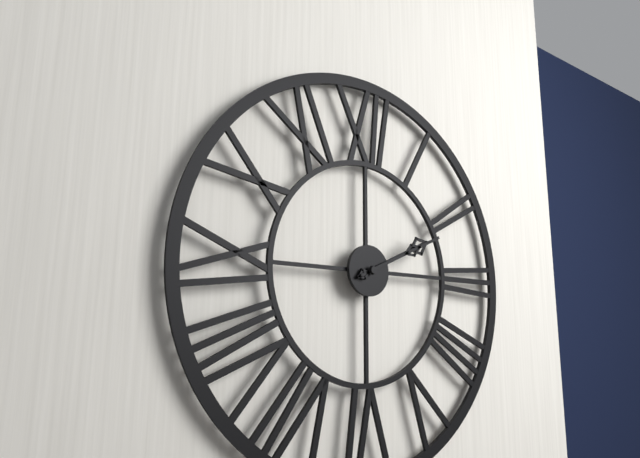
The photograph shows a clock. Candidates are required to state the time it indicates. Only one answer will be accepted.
2:11
